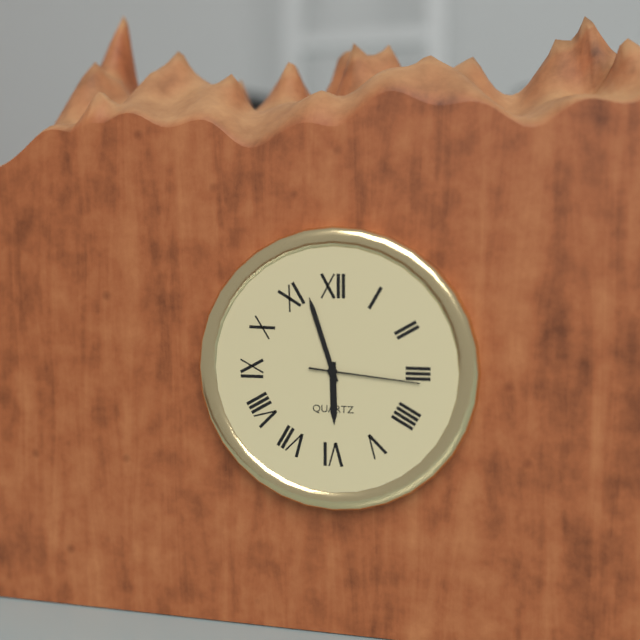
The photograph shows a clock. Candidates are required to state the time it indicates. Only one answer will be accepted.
5:57:16
